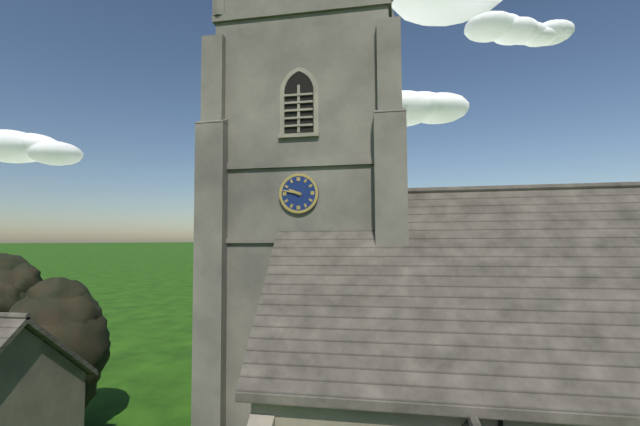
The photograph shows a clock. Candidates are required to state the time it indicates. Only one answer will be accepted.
9:47
